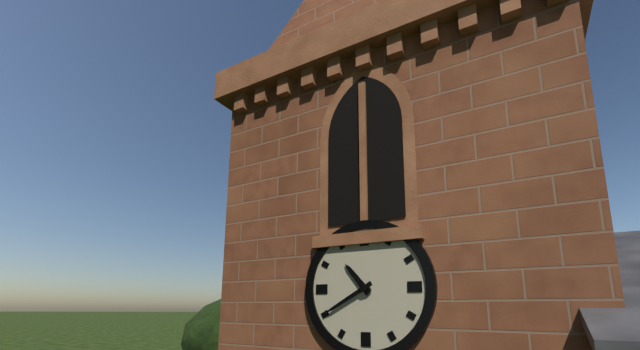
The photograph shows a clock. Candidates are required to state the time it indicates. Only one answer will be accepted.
10:40
